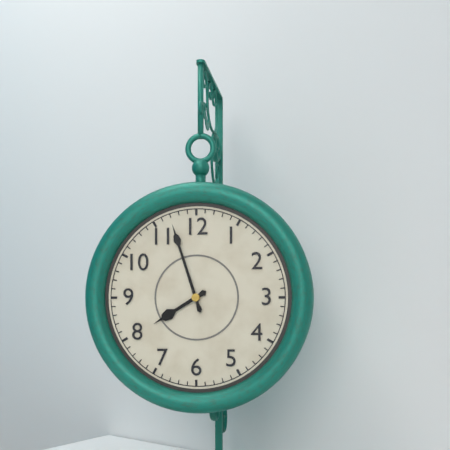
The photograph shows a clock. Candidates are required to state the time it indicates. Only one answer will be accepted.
7:57
